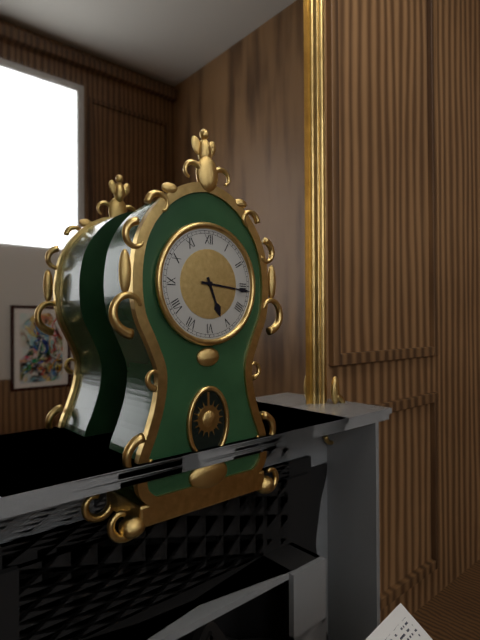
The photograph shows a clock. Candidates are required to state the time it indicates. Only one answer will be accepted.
5:16
